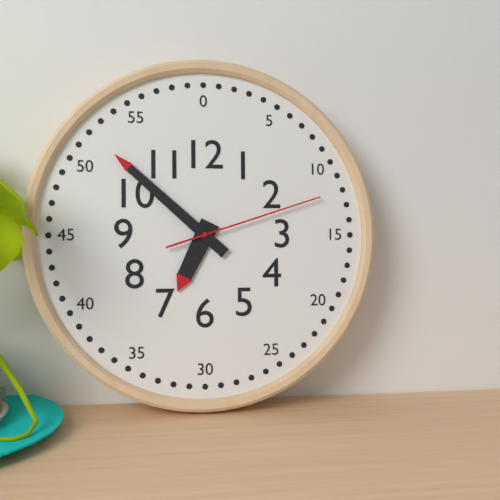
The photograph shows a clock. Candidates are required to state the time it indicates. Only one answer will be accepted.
6:52:12
